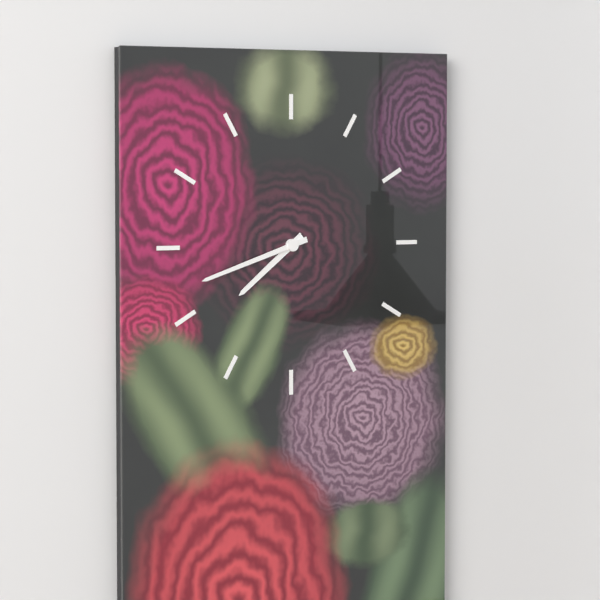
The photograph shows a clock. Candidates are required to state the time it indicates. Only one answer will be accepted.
7:42
